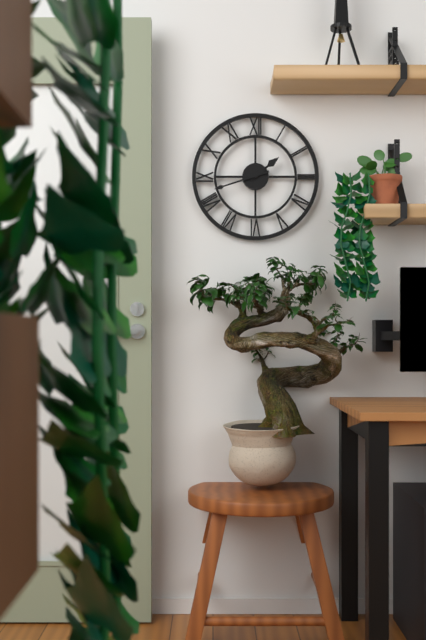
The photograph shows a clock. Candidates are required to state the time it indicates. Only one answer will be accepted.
1:42
